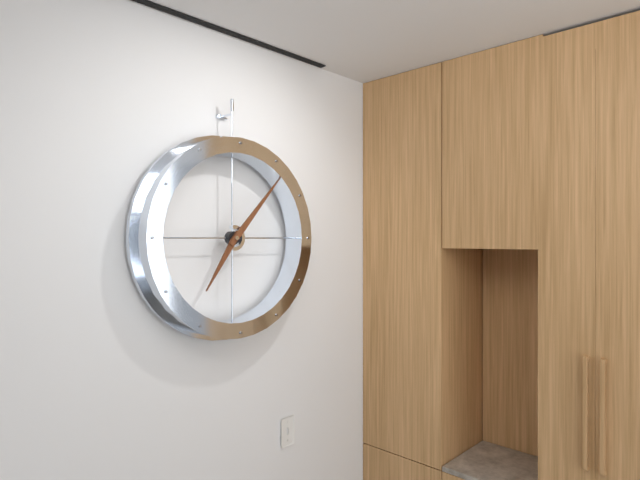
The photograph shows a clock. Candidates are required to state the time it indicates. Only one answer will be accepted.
7:07
